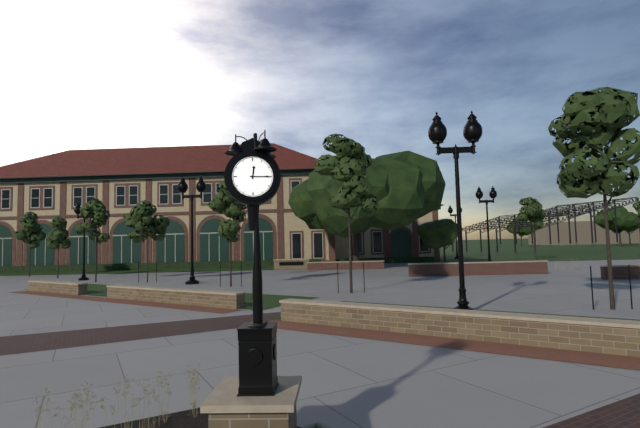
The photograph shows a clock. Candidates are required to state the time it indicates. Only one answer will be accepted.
12:15
